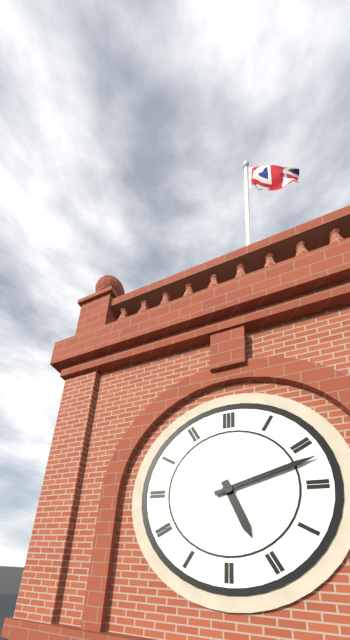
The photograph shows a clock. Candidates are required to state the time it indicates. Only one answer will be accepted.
5:12
